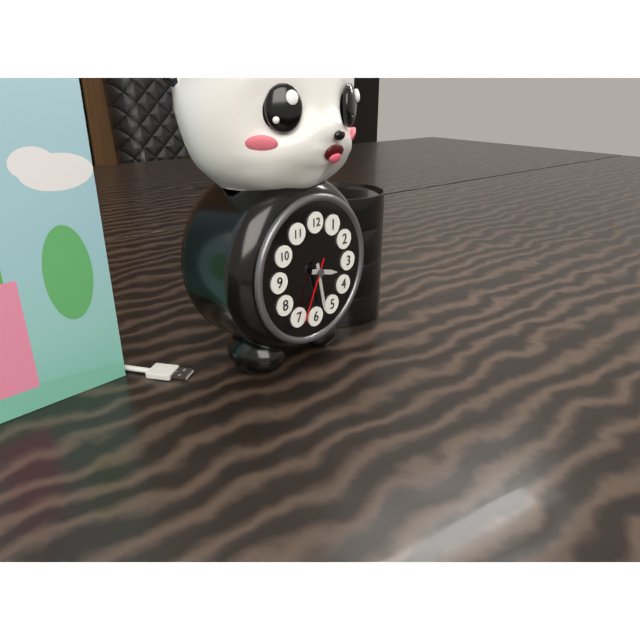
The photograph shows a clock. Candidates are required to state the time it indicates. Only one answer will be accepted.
3:28:34
